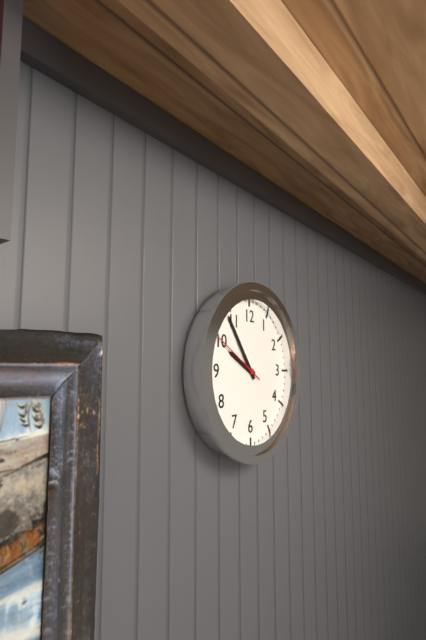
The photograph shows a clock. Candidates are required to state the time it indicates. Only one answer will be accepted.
9:54:50
